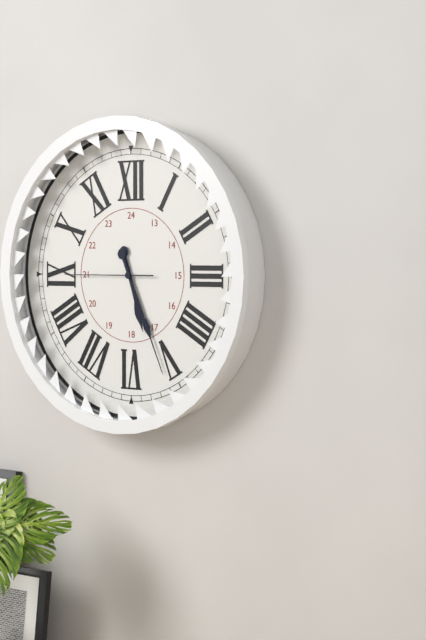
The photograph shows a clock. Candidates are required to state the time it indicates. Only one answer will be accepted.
5:26:45
